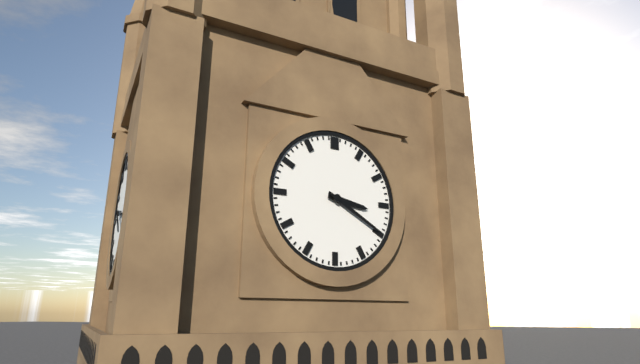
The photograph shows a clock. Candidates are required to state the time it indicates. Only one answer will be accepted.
3:20
